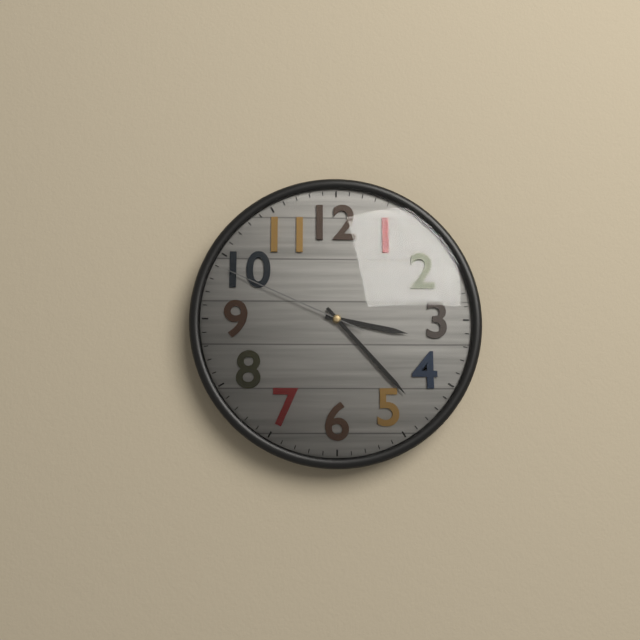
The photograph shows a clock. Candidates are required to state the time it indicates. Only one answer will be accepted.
3:23:49
